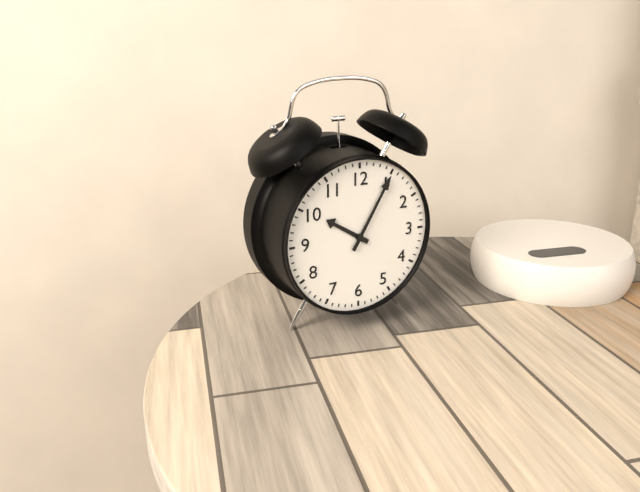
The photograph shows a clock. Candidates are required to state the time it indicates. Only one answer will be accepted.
10:05
